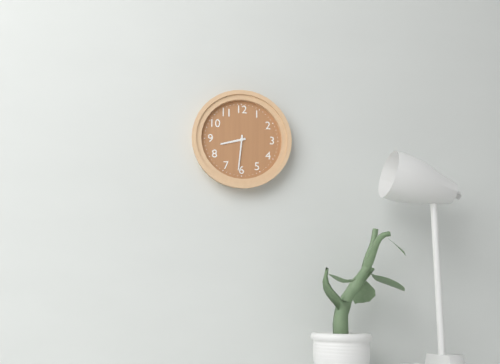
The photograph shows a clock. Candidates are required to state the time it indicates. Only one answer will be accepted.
8:31
